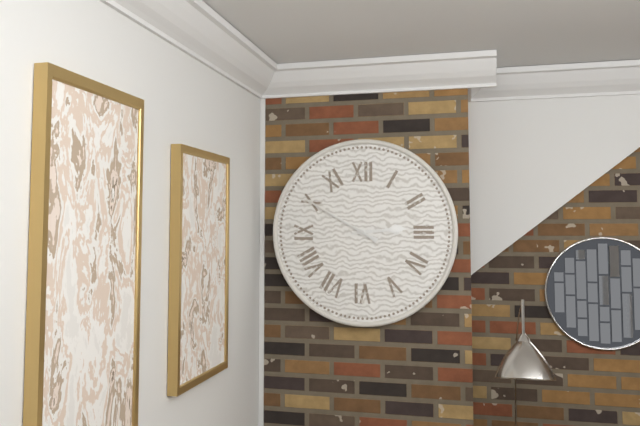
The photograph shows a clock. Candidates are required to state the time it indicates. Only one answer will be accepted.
2:50
